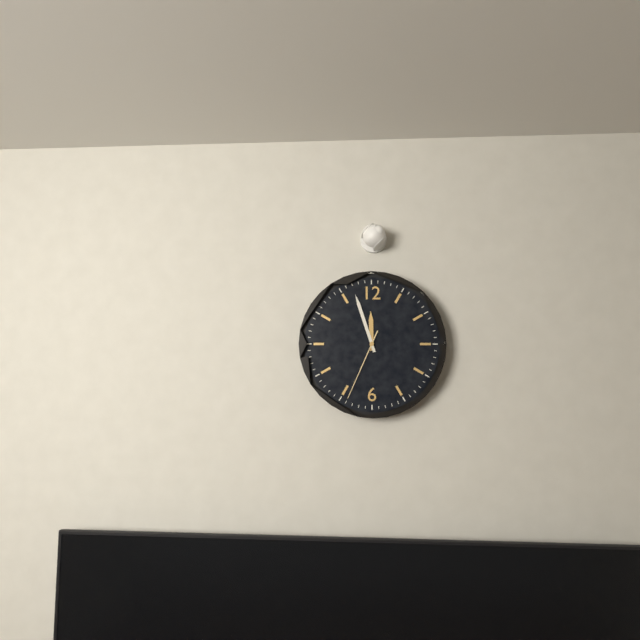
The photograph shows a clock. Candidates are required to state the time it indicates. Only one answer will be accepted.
11:57:34
